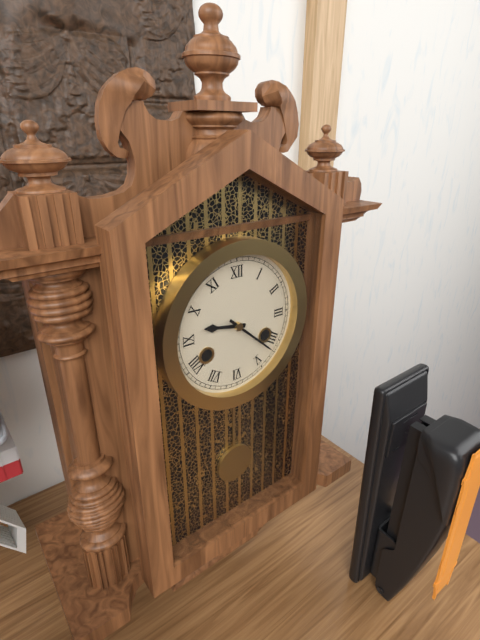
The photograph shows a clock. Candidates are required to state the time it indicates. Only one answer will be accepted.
9:22
